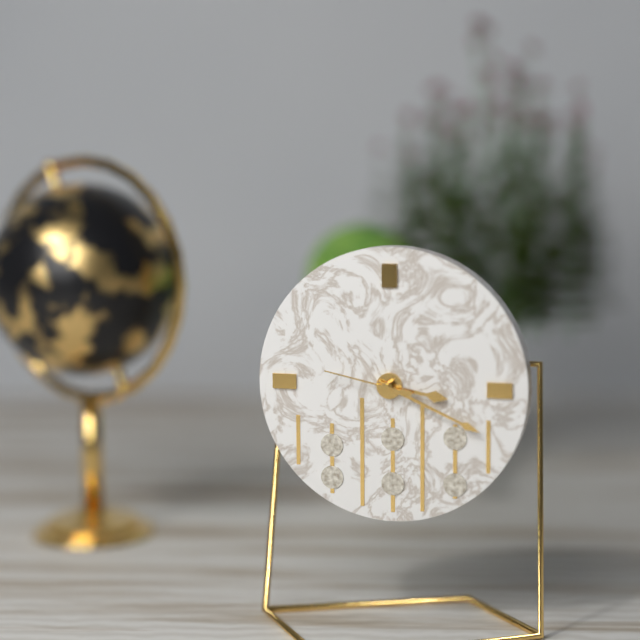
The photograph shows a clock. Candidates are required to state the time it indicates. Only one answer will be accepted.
3:19:47
